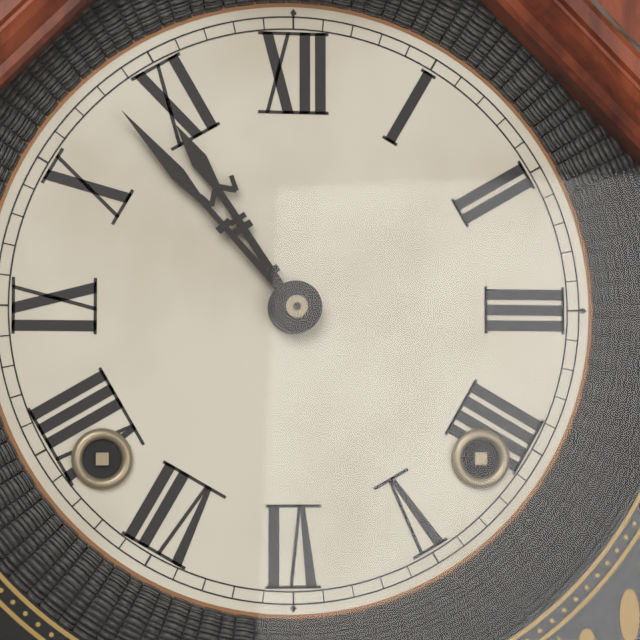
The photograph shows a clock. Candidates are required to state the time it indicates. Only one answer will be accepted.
10:53
